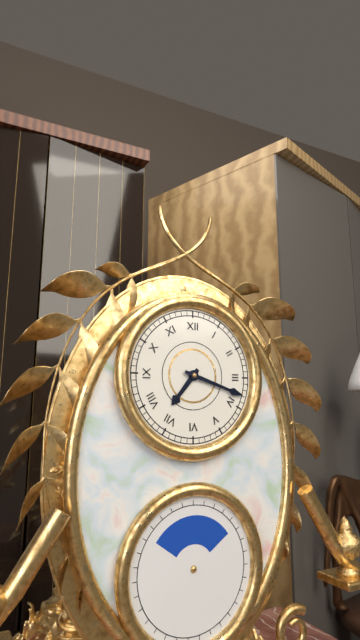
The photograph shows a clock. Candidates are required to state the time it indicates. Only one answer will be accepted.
7:18
